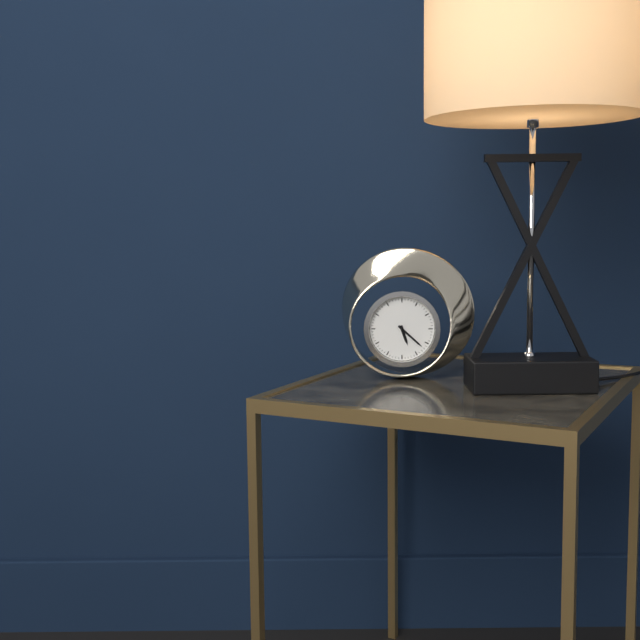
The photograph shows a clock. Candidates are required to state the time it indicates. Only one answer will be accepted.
5:22
